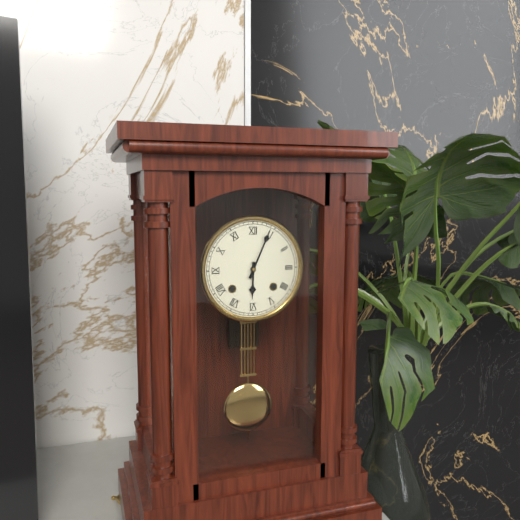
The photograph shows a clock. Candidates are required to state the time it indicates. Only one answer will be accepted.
6:04
